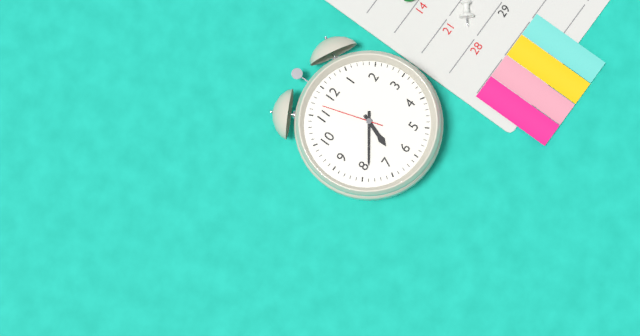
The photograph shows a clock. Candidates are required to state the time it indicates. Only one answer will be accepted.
6:39:57
